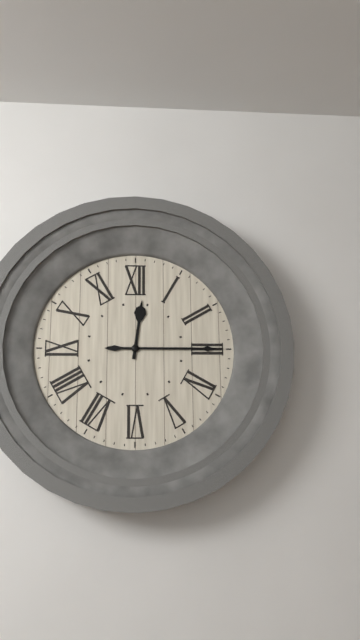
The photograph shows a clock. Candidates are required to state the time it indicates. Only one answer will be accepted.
12:15
